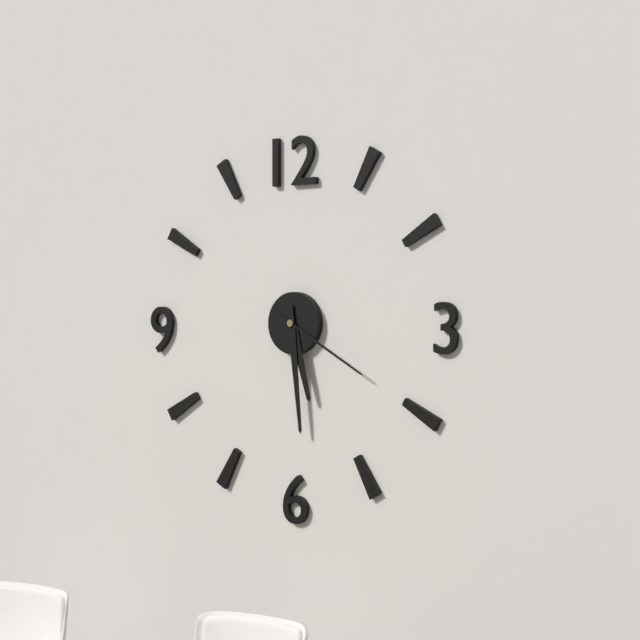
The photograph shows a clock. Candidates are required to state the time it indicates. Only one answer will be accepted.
5:29:20
